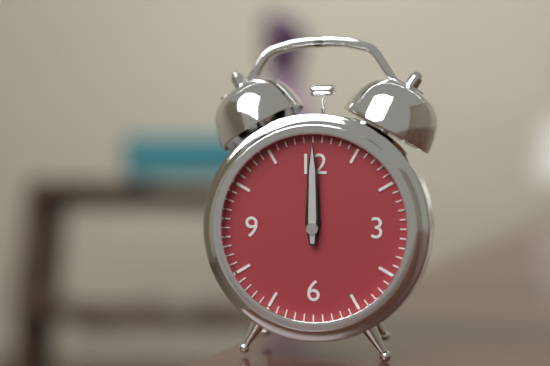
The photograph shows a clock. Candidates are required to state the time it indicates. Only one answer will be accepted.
12:00
